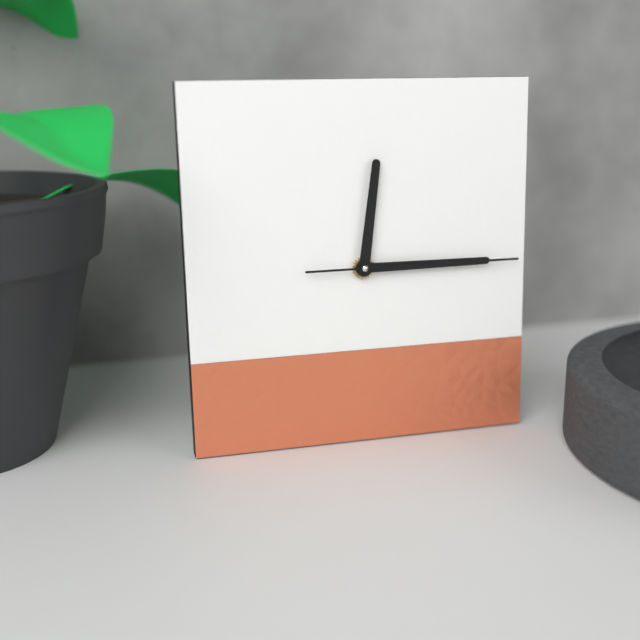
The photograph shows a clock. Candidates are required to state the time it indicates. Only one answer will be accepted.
12:15:15
